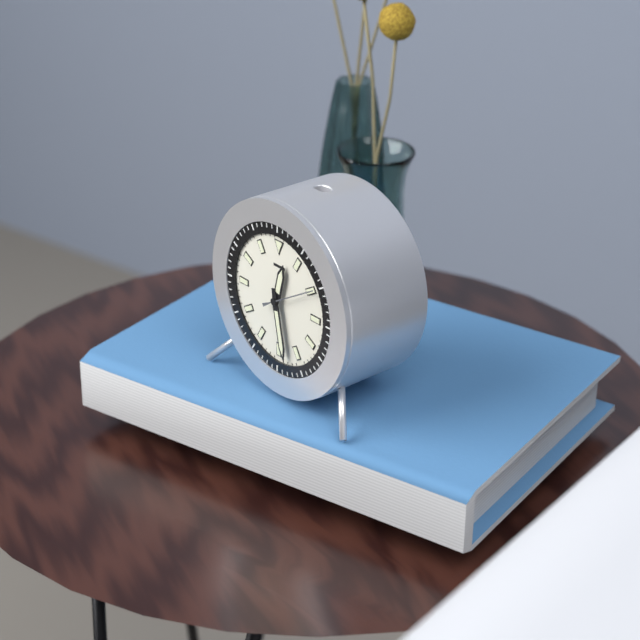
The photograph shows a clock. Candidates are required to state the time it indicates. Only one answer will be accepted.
12:28:10
